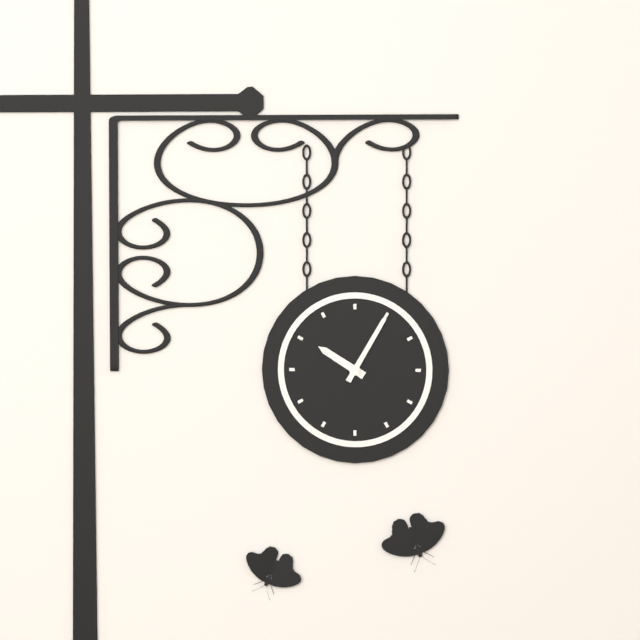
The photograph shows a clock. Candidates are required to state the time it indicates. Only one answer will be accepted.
10:05
